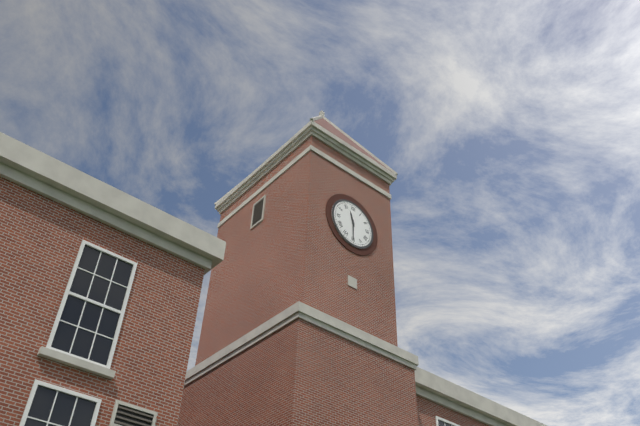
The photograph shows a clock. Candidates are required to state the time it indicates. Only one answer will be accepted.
11:30
